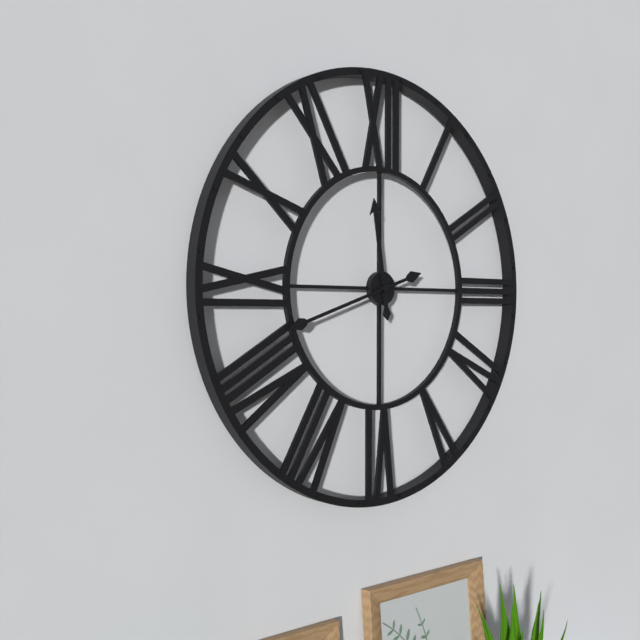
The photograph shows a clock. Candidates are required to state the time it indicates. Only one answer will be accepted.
11:42
